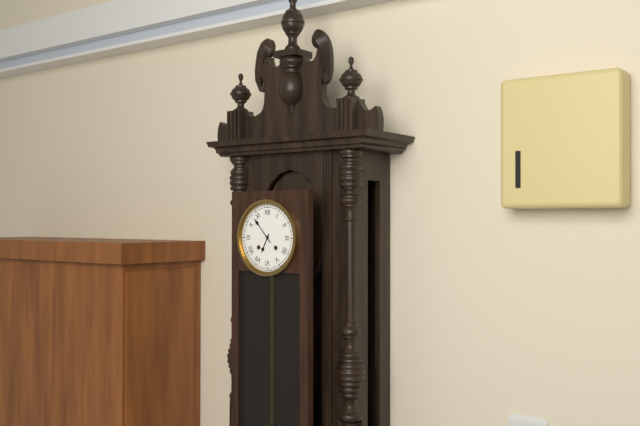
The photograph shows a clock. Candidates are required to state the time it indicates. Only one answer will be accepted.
6:53
